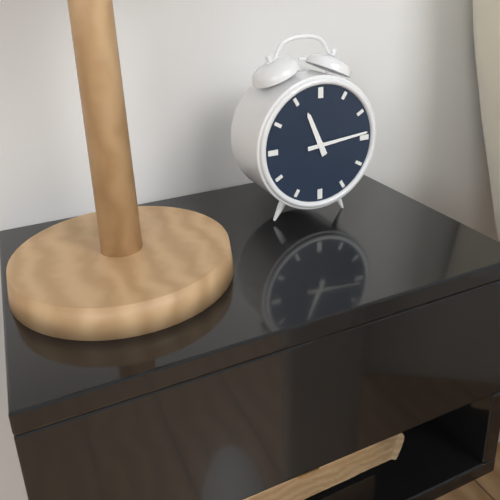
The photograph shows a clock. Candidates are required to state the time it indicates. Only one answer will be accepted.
11:14
